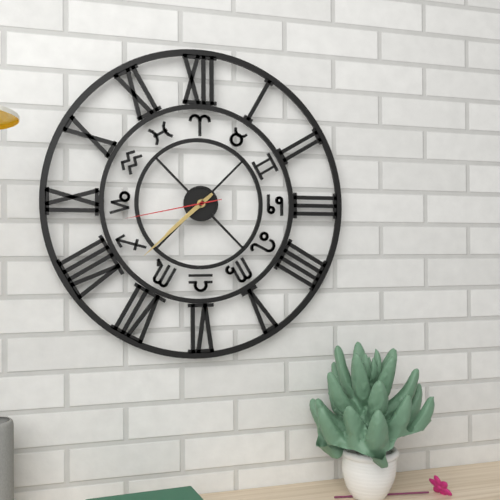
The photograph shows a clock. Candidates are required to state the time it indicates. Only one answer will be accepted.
7:38:43
